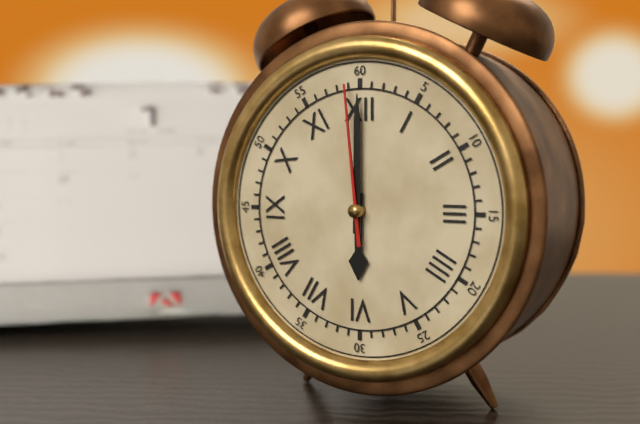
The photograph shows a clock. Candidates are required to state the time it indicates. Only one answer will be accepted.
6:00:59
